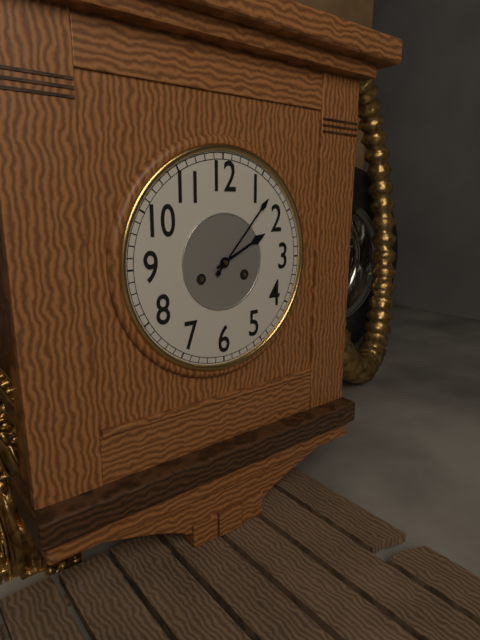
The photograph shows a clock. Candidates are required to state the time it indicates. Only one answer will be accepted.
2:07
